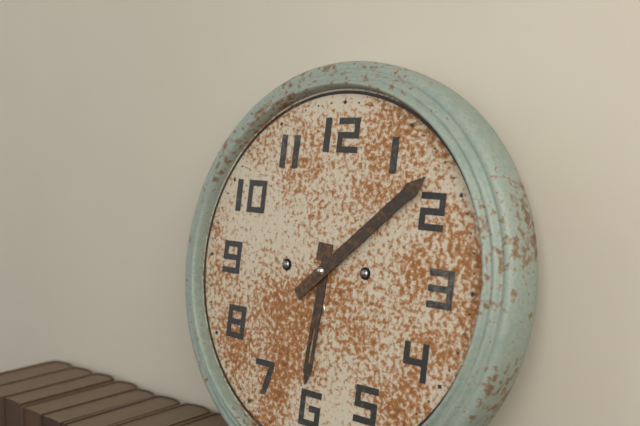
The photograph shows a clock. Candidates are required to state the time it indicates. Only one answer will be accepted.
6:08
